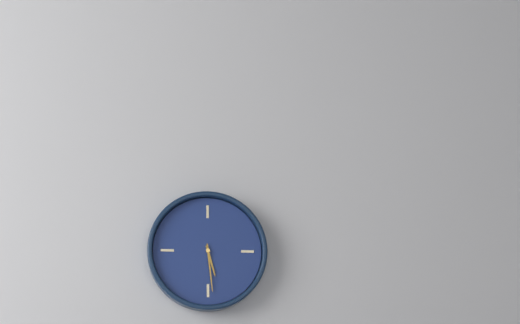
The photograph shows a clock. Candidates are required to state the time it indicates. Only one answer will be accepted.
5:29
